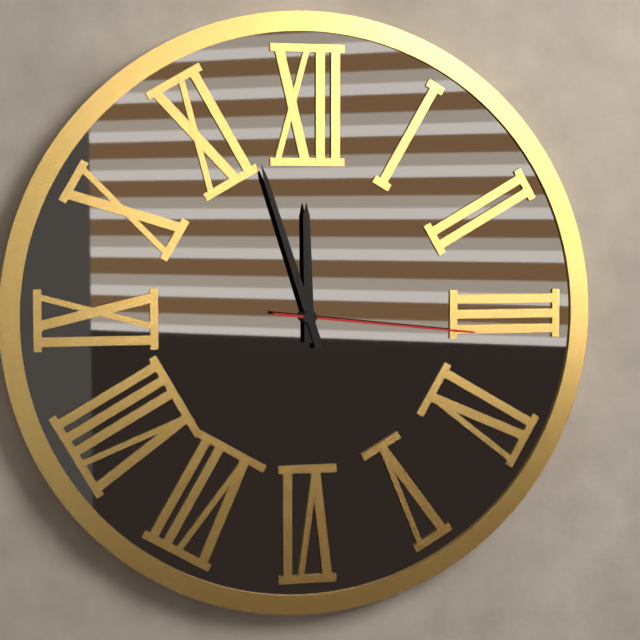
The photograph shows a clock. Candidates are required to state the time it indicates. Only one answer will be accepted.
11:57:16
